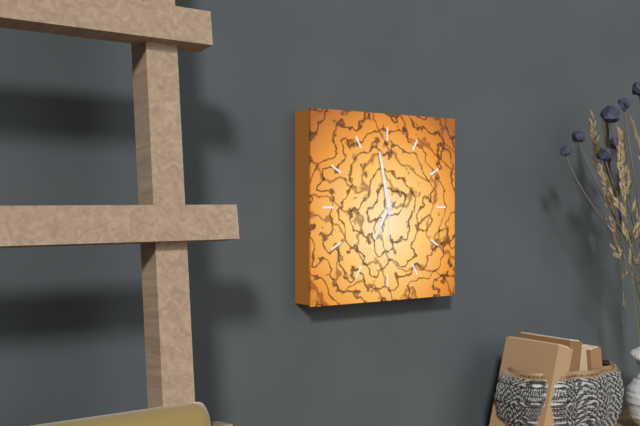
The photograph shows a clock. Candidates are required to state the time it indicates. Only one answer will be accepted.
6:58:30
